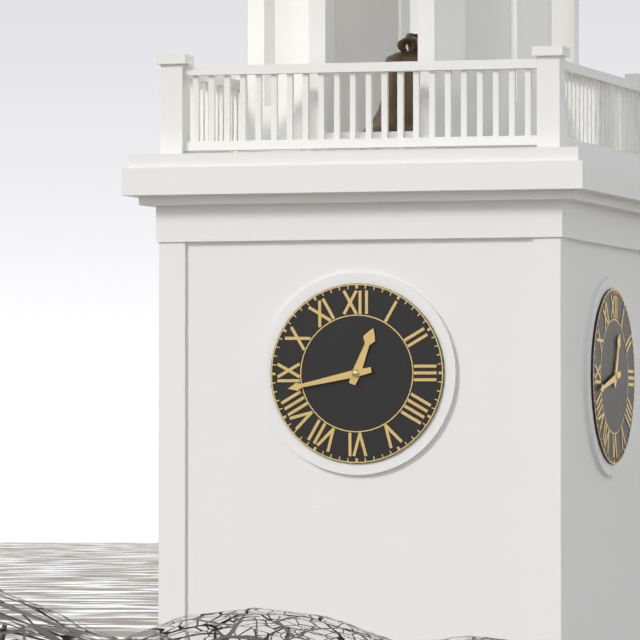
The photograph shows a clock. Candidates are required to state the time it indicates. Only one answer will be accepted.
12:43
